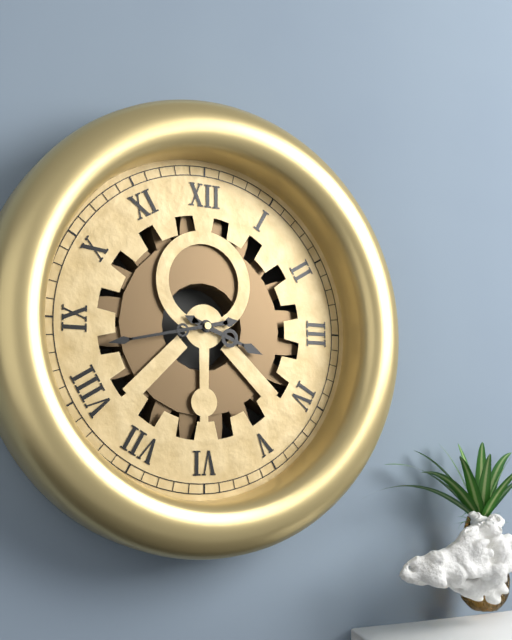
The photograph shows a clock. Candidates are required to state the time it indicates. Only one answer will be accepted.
3:43
